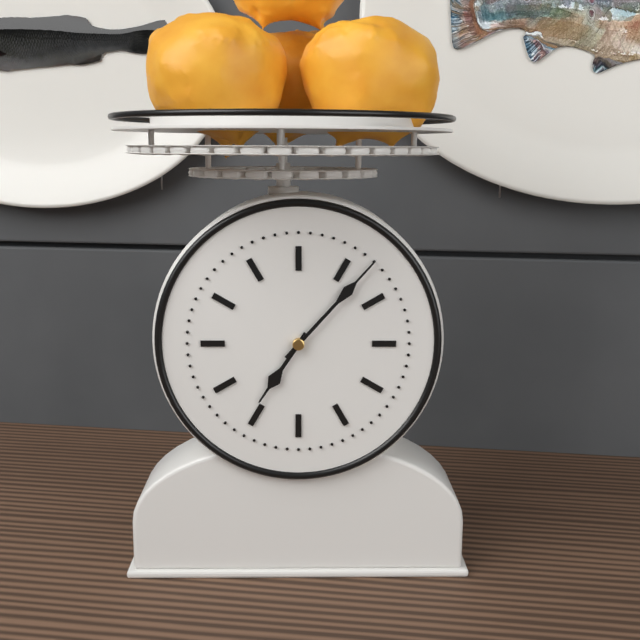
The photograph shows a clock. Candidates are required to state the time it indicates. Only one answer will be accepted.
7:07
